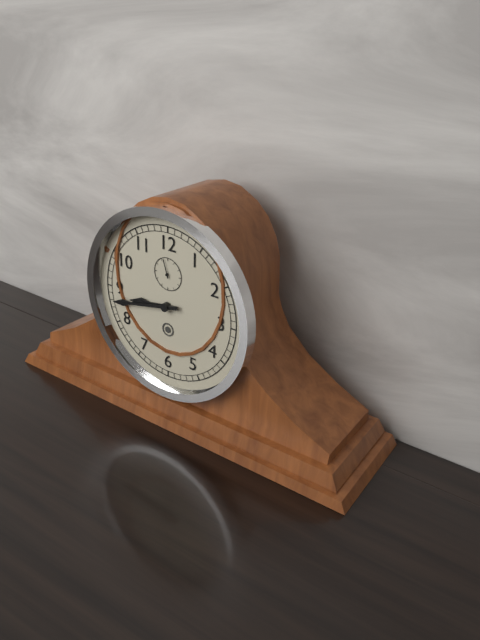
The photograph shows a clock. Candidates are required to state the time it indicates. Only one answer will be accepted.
8:43
